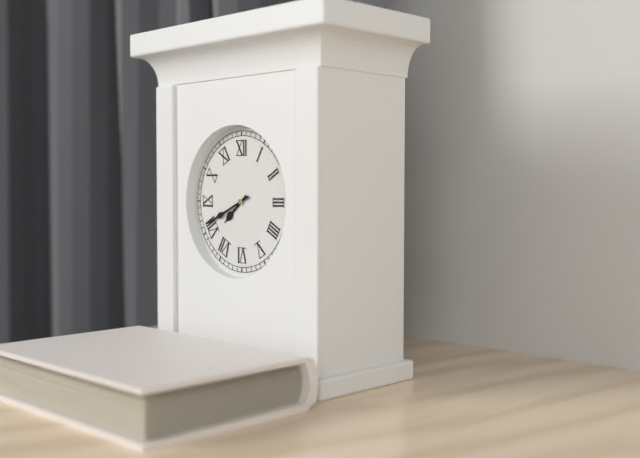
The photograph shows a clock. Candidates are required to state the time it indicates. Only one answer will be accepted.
7:41
